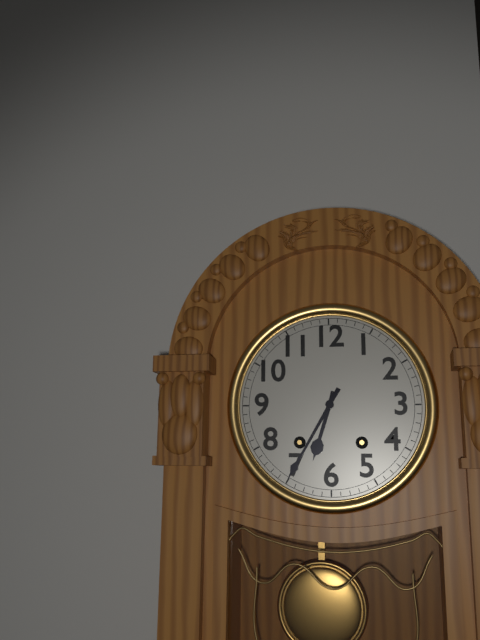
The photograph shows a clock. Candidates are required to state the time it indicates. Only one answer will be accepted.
6:35
